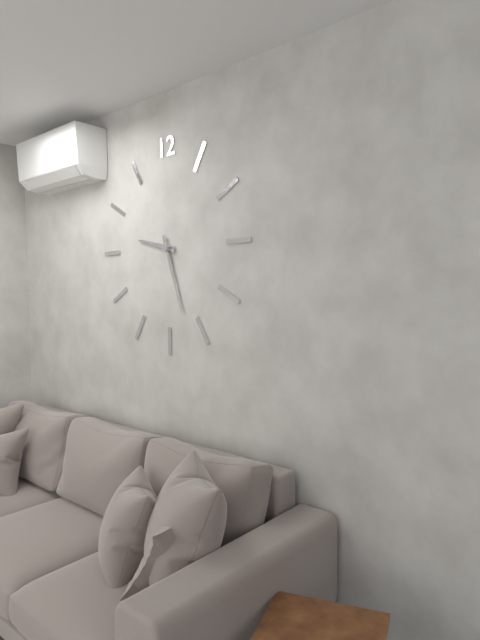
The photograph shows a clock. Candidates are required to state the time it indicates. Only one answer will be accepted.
9:27
